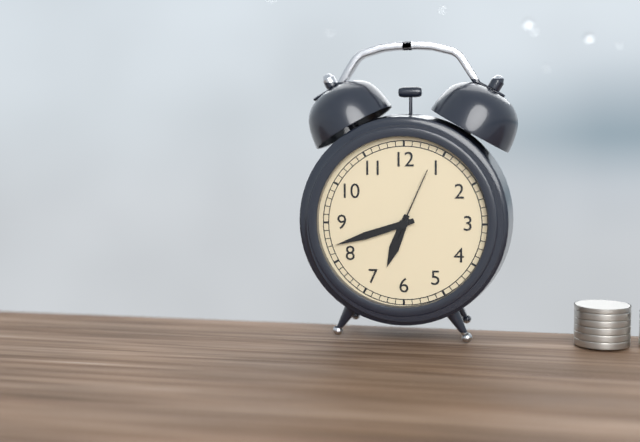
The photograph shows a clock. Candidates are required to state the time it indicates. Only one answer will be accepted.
6:42:04
